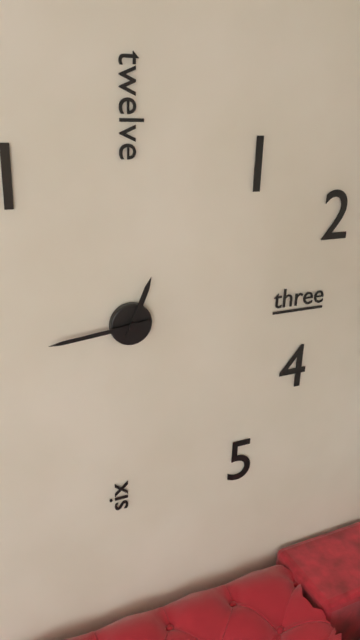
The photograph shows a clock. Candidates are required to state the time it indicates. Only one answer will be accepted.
12:44
